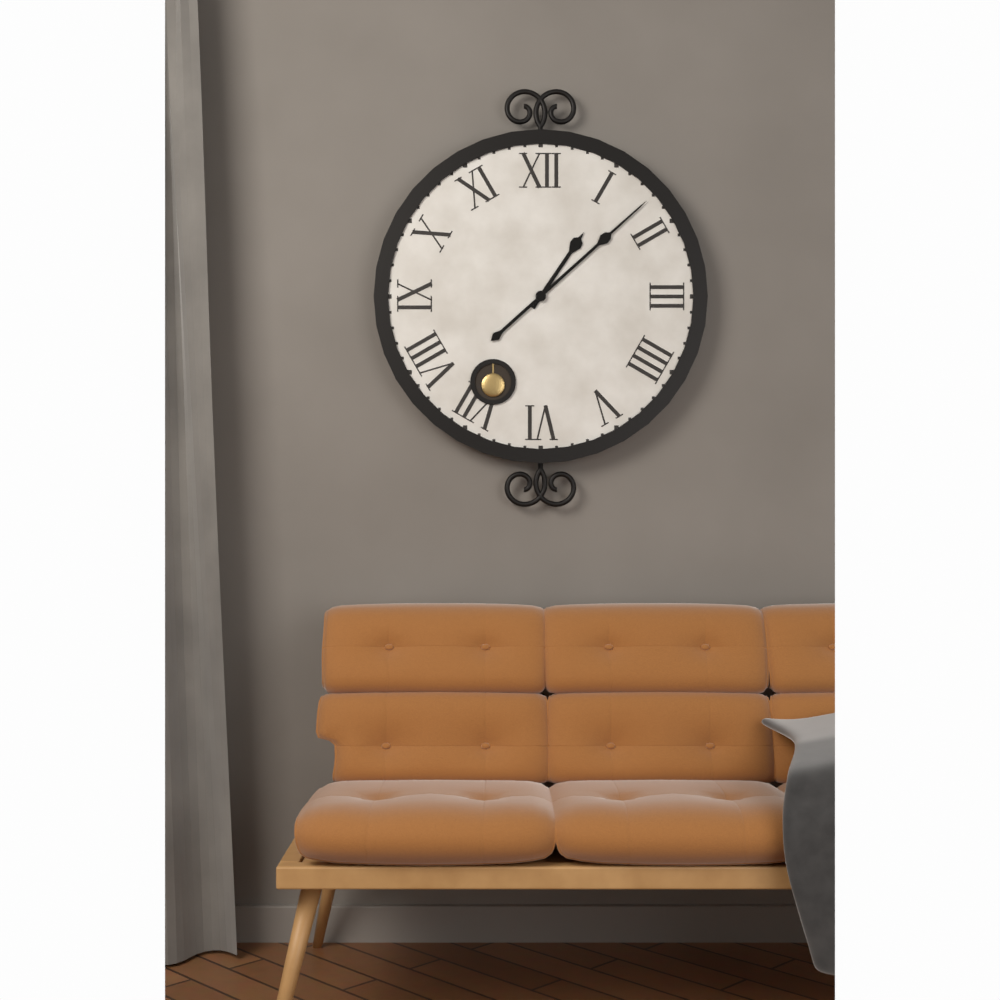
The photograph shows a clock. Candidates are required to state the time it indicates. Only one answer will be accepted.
1:08
